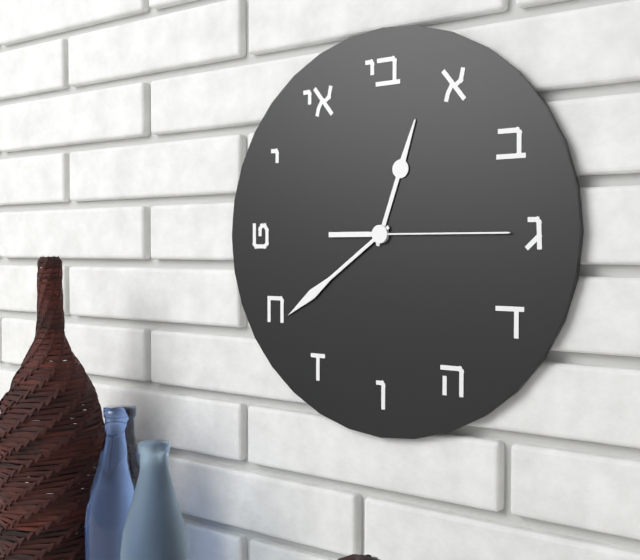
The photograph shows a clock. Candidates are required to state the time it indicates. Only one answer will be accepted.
12:39:15
